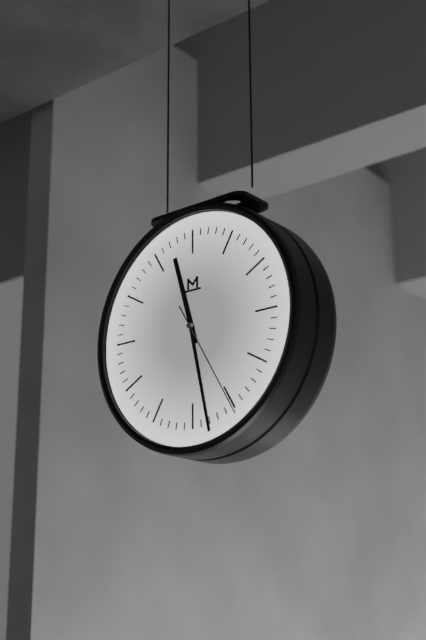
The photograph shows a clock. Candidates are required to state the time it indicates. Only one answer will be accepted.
11:28:25
